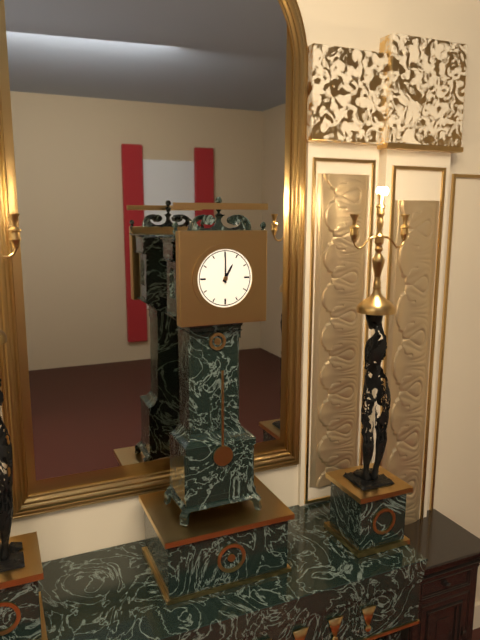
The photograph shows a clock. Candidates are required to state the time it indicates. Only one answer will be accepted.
1:00
